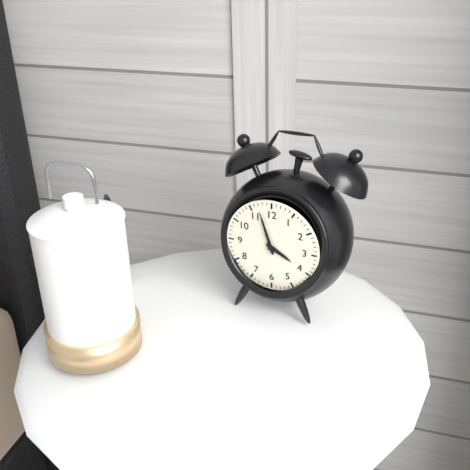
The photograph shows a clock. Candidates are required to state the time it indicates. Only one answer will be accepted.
3:57
